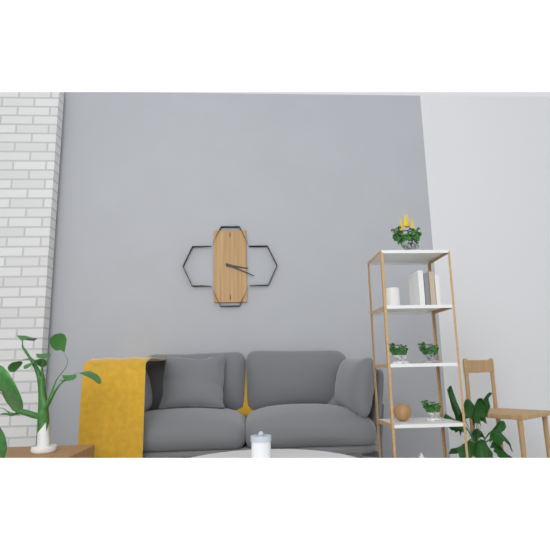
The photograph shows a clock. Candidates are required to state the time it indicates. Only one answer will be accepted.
3:19
